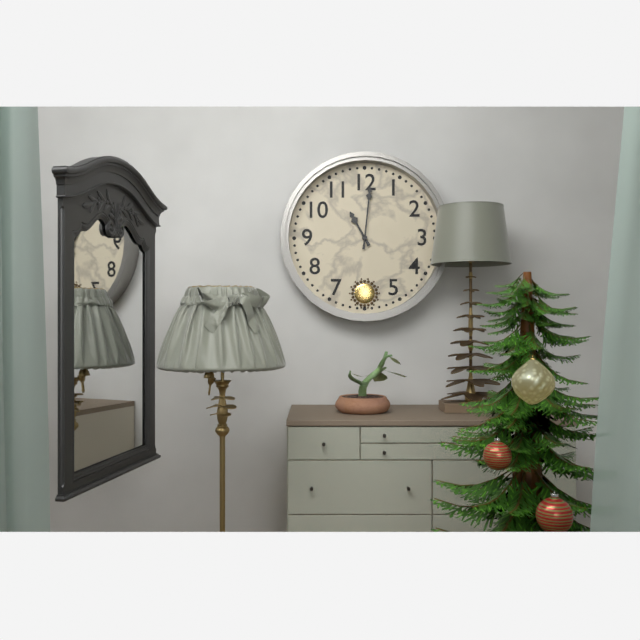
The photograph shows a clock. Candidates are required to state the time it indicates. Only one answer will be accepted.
11:01
